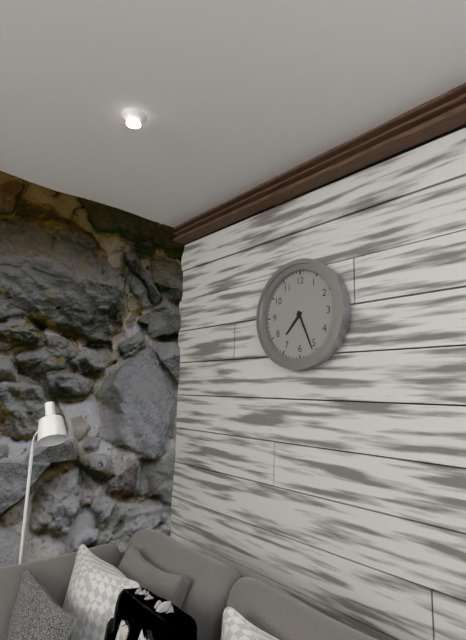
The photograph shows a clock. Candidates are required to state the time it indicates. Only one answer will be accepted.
7:26
